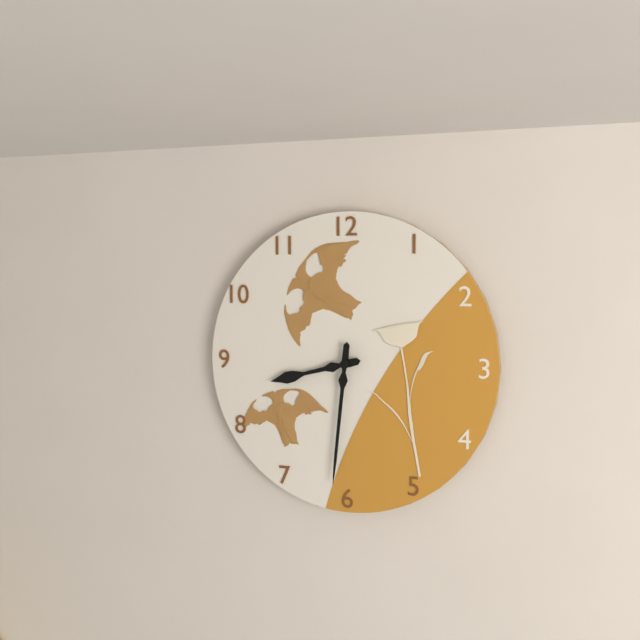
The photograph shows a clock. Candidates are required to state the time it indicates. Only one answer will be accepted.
8:31
